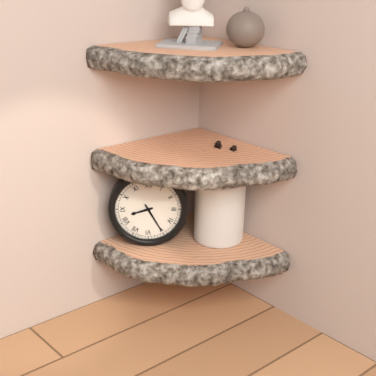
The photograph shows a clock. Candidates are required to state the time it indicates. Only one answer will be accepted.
8:25
